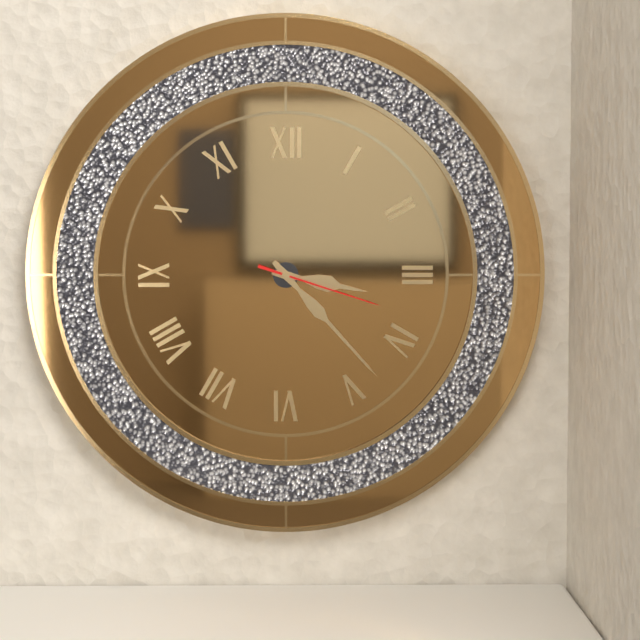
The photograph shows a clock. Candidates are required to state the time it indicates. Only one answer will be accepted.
3:23:18
